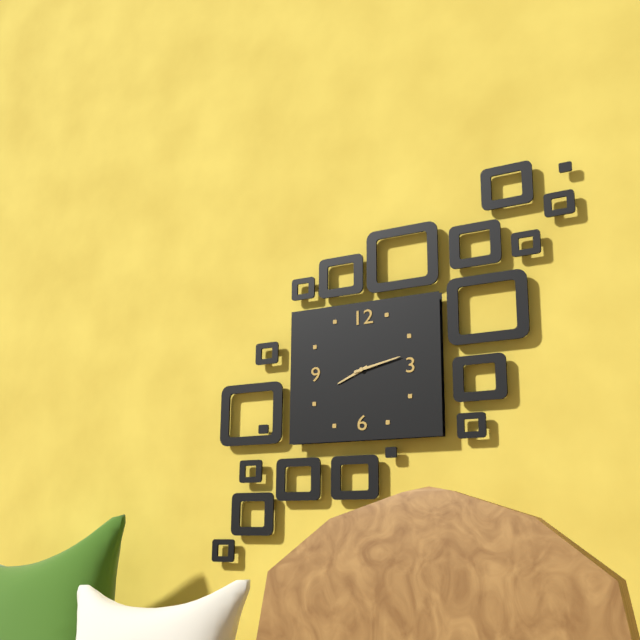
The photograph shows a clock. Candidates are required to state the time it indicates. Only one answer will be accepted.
8:13
